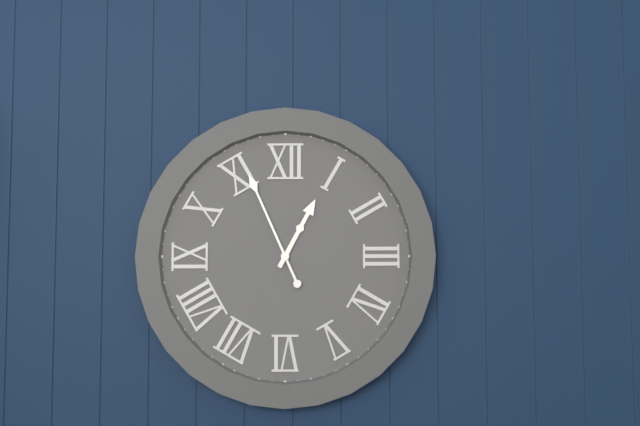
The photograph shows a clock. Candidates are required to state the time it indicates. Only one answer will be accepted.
12:56
